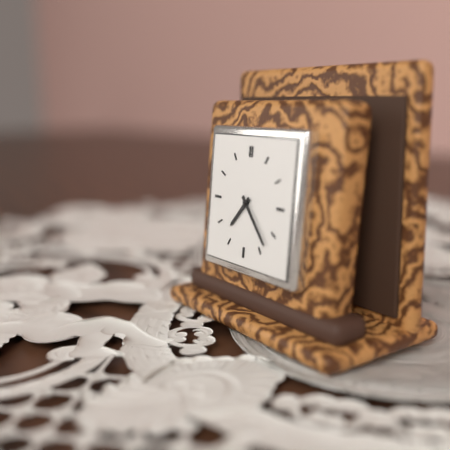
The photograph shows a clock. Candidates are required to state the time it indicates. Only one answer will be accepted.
7:23
